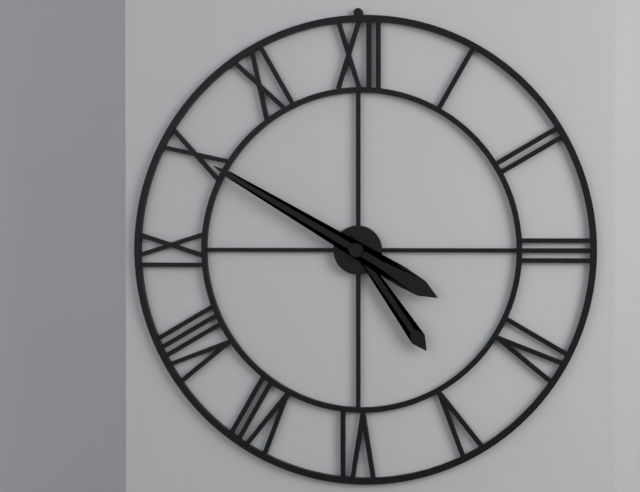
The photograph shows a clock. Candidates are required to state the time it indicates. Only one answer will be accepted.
4:50
